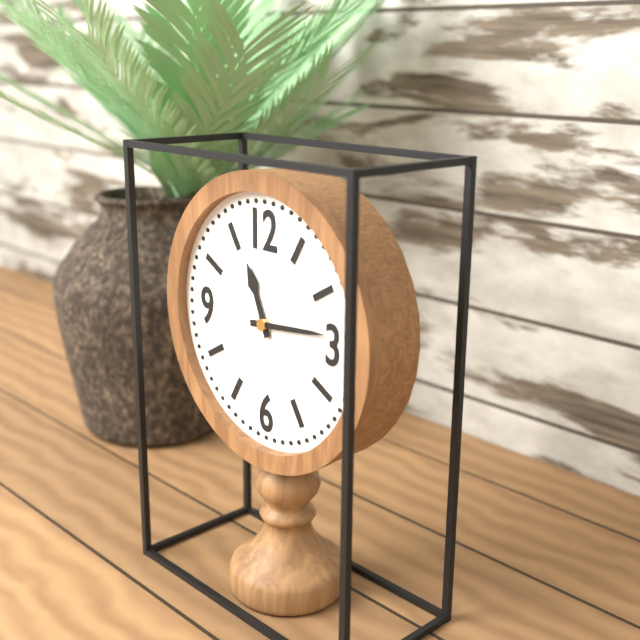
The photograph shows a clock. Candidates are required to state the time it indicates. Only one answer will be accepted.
11:14
